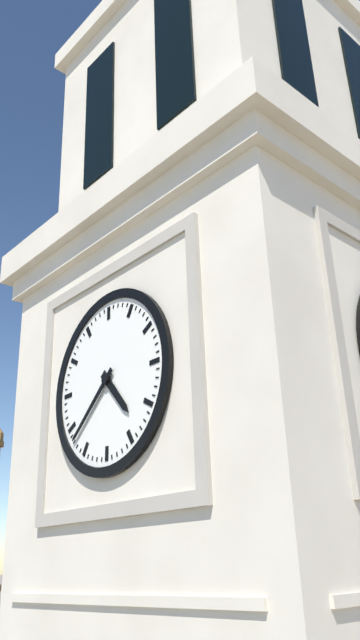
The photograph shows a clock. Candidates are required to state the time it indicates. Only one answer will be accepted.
4:38
